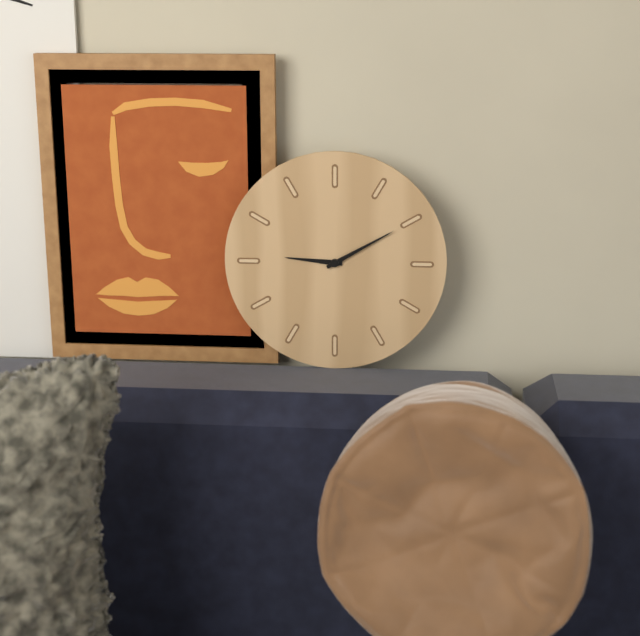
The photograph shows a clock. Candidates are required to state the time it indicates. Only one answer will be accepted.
9:10
